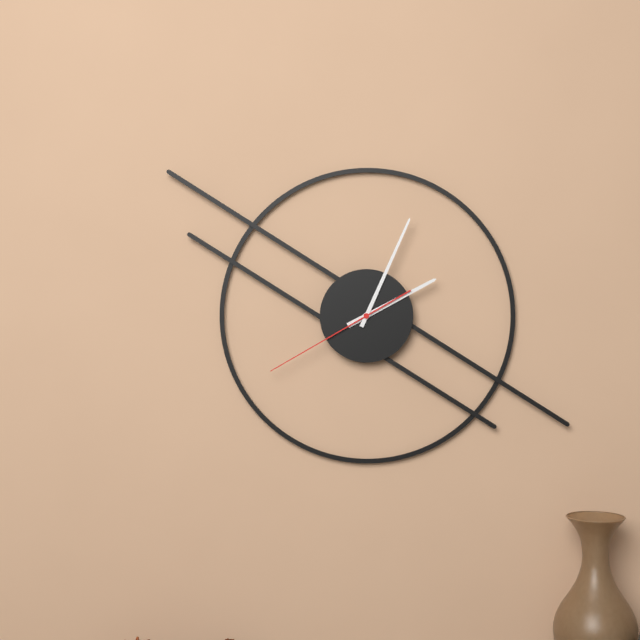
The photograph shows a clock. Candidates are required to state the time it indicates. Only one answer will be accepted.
2:04:40
